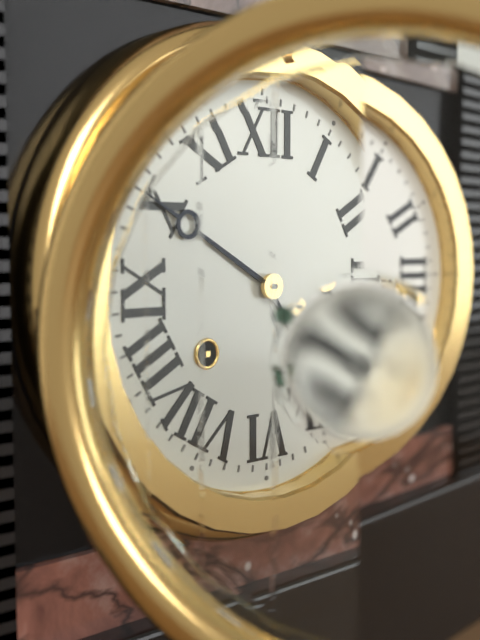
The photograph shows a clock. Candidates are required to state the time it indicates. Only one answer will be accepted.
4:50
